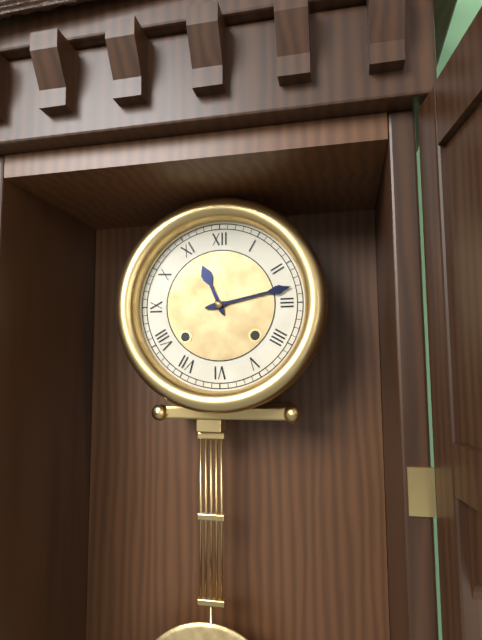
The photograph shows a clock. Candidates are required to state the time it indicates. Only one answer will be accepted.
11:13
